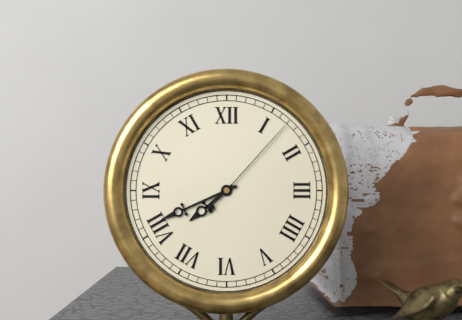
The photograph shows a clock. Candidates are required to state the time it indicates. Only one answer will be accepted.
7:41:07
